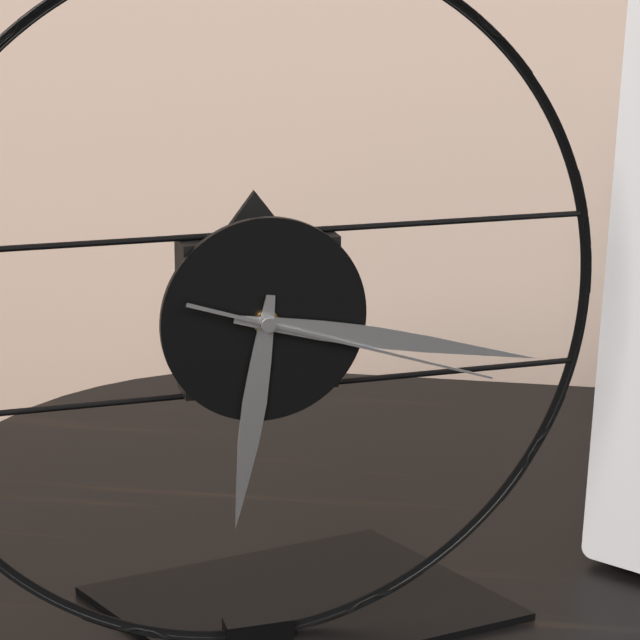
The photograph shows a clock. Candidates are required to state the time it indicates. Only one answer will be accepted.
6:17:18
